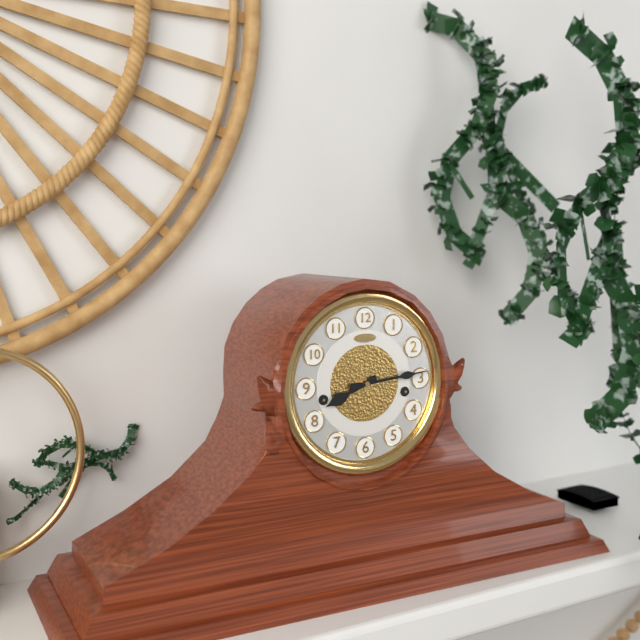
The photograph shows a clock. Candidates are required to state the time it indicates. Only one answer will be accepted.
8:14
